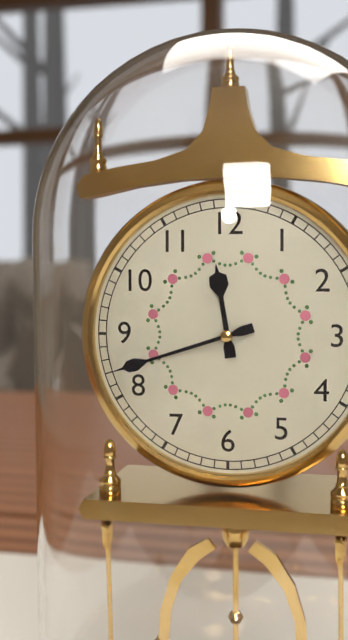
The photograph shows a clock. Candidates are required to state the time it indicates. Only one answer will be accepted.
11:42
